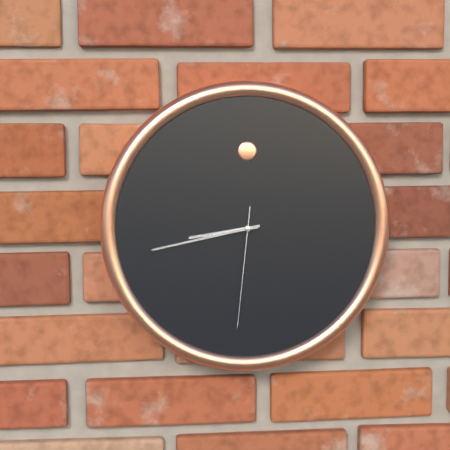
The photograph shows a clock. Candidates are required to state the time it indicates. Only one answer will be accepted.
8:43:31
